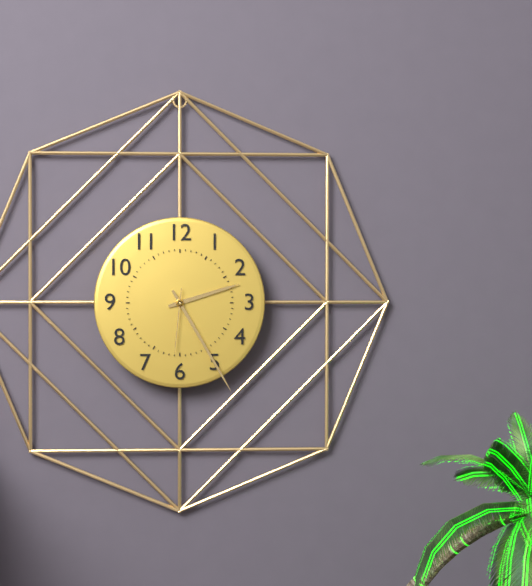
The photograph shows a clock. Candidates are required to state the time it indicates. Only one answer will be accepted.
2:25:31
